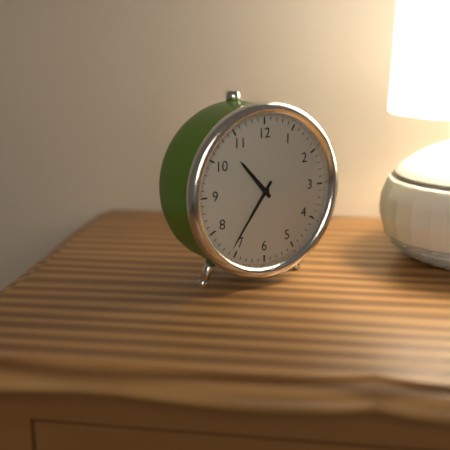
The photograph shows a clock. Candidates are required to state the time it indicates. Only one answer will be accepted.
10:36
